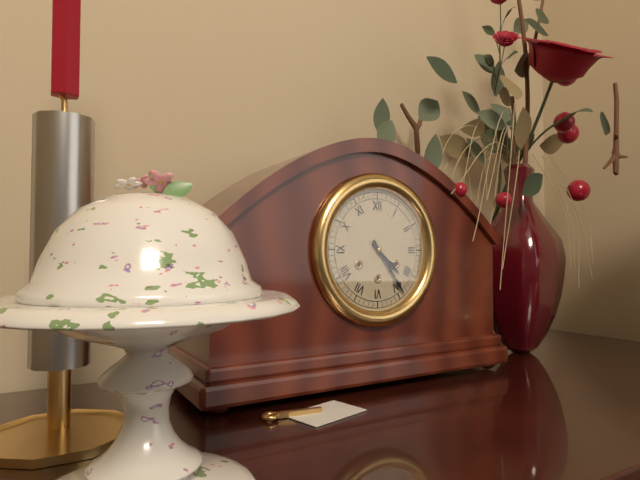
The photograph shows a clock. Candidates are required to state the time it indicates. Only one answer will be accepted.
4:24
